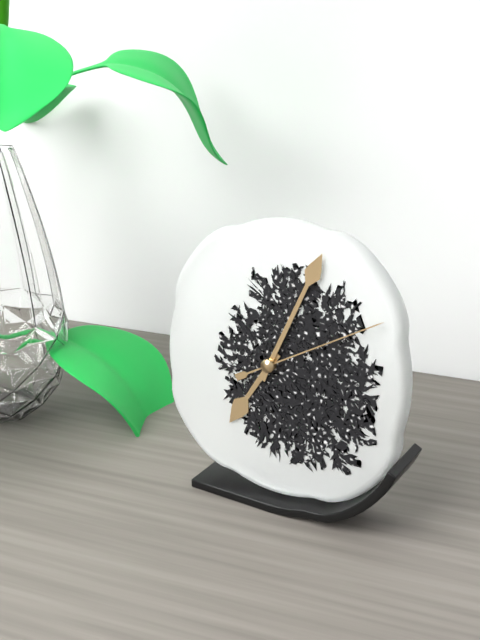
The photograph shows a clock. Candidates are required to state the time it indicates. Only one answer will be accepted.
7:04:10
